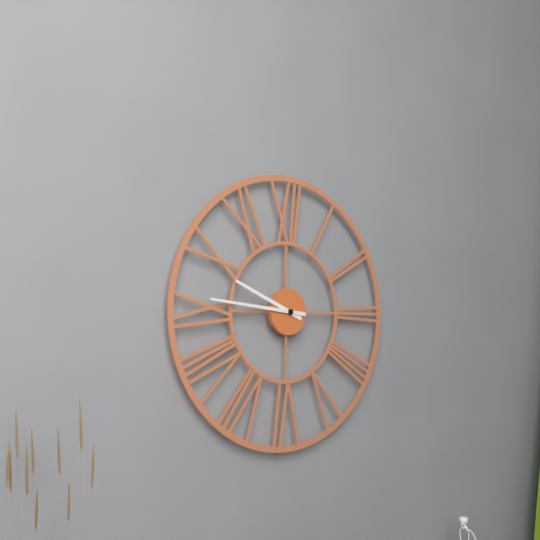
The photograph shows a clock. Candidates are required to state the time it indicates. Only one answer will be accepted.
9:46
